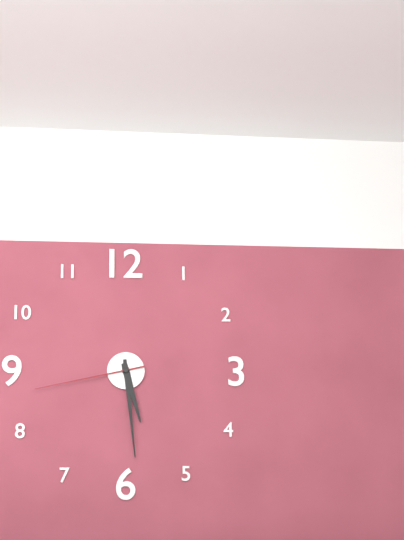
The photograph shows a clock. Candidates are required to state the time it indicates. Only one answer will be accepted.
5:29:43
